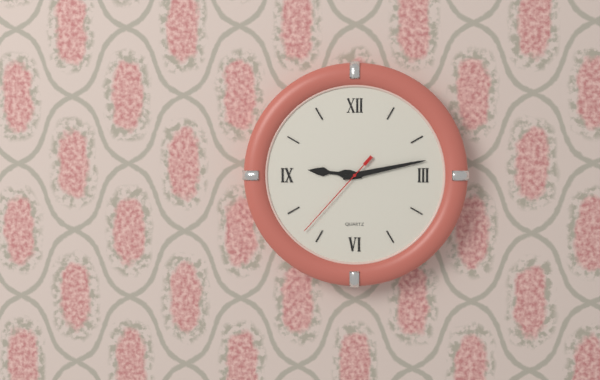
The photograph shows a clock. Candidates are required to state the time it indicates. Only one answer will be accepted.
9:13:37
